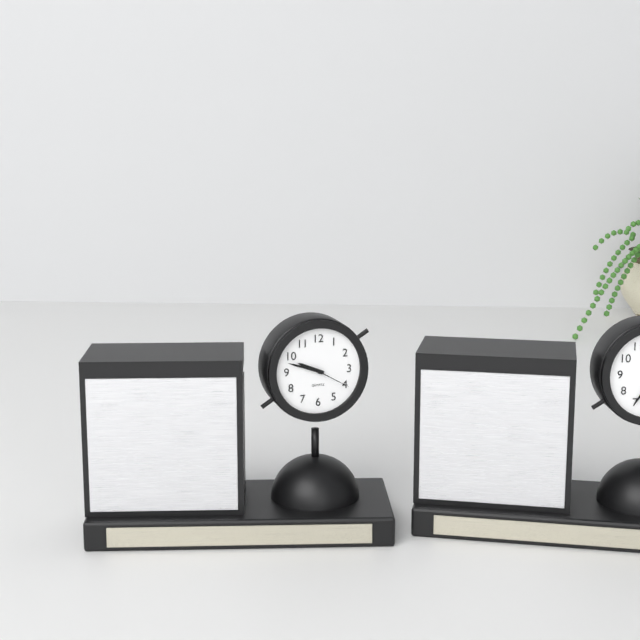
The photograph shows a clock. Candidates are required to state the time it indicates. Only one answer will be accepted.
9:48
